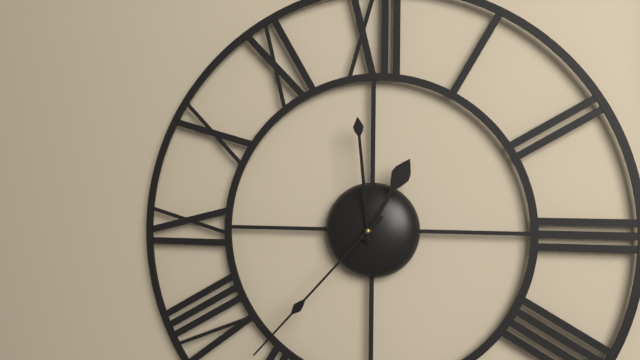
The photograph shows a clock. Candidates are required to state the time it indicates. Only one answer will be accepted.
12:59:37
